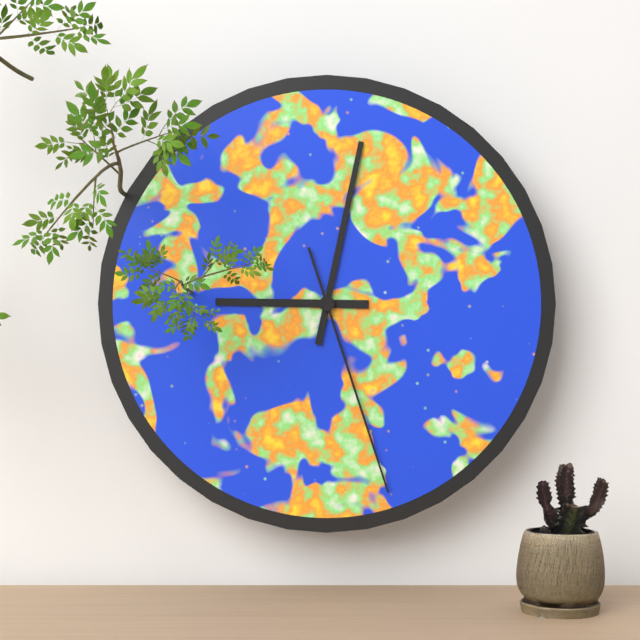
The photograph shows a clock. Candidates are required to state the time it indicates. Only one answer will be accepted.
9:02:27
